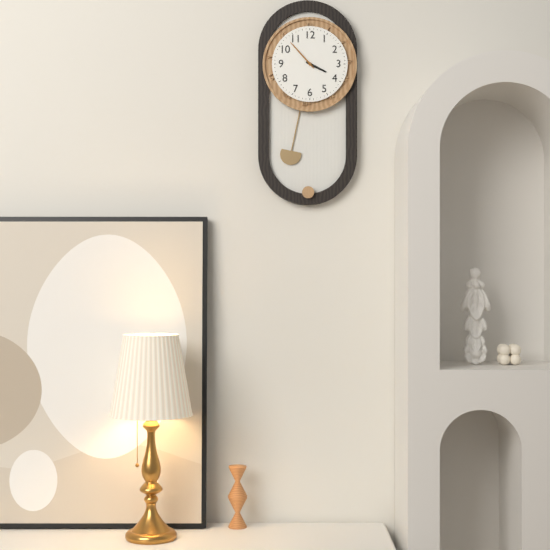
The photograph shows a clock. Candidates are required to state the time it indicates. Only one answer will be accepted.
3:53
